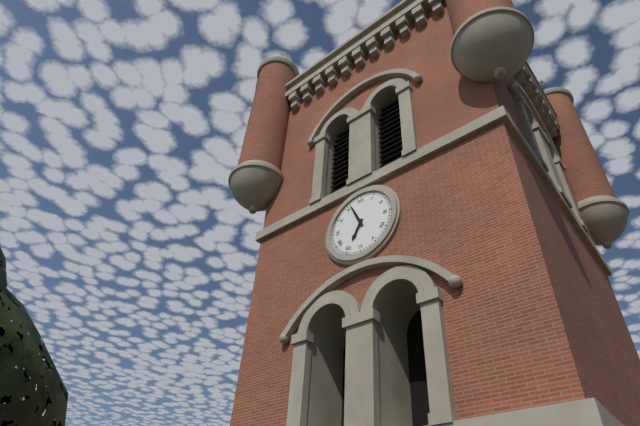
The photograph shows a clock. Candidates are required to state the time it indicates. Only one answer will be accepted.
6:56
